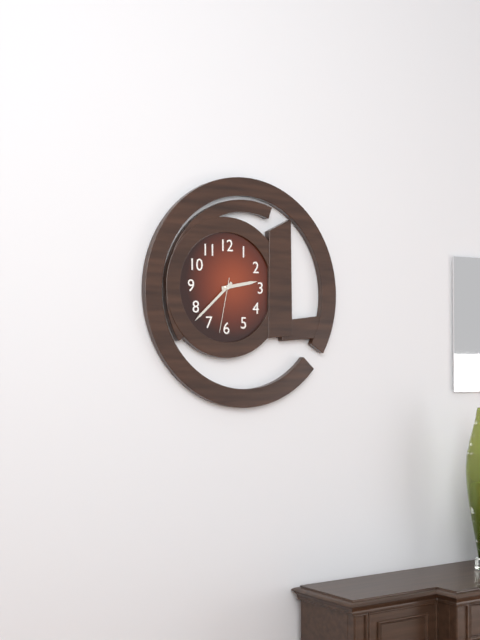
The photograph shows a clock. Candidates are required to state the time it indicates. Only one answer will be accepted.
2:38:32
